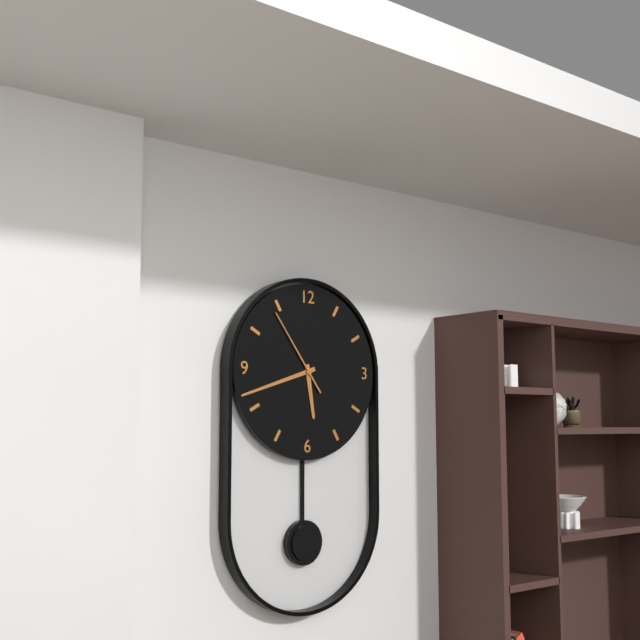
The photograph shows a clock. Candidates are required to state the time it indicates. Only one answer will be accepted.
5:42:54
